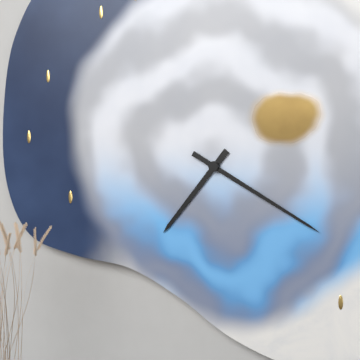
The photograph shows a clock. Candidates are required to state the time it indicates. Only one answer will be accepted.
7:20
